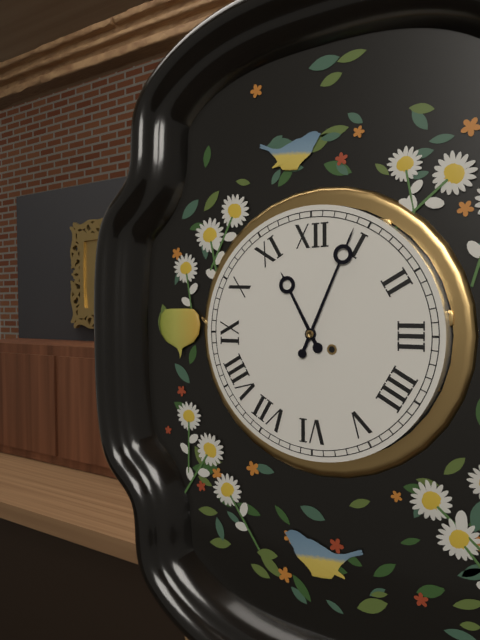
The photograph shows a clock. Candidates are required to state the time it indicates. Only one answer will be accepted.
11:04
